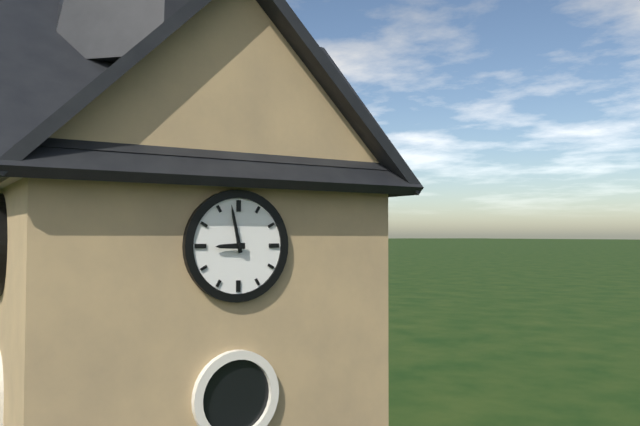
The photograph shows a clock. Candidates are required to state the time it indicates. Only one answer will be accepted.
8:58
